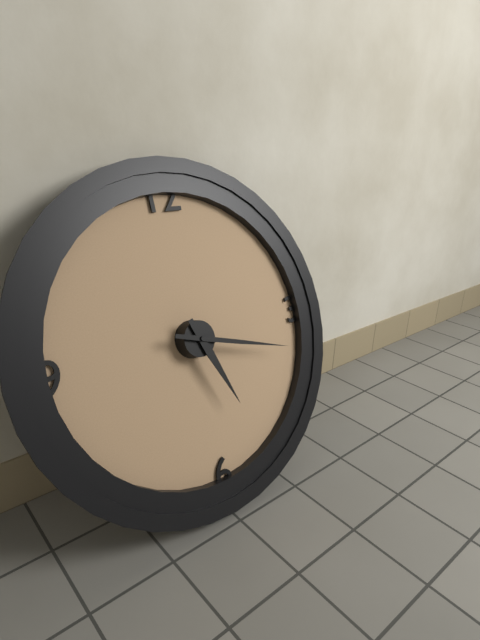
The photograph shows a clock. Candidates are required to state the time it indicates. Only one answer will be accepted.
5:18
